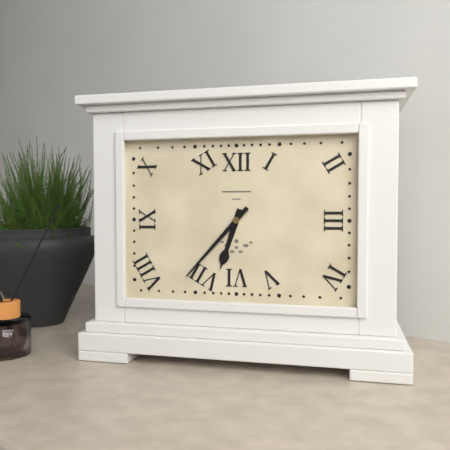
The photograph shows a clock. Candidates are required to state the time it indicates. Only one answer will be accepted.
6:37
